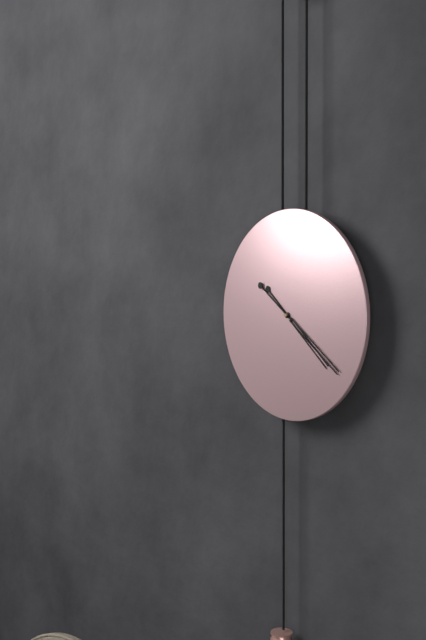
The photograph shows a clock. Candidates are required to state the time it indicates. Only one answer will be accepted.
4:21
